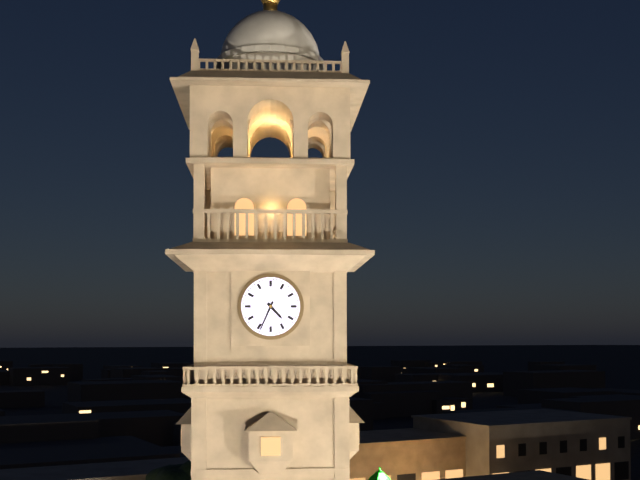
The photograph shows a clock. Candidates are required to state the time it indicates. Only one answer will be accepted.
4:34
